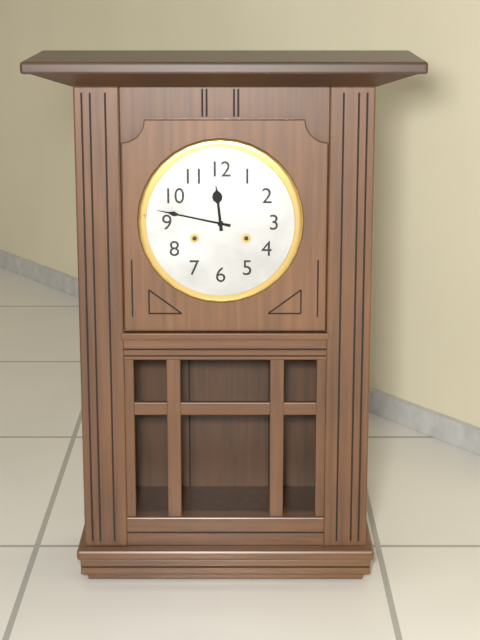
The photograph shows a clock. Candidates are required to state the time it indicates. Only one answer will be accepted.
11:47
